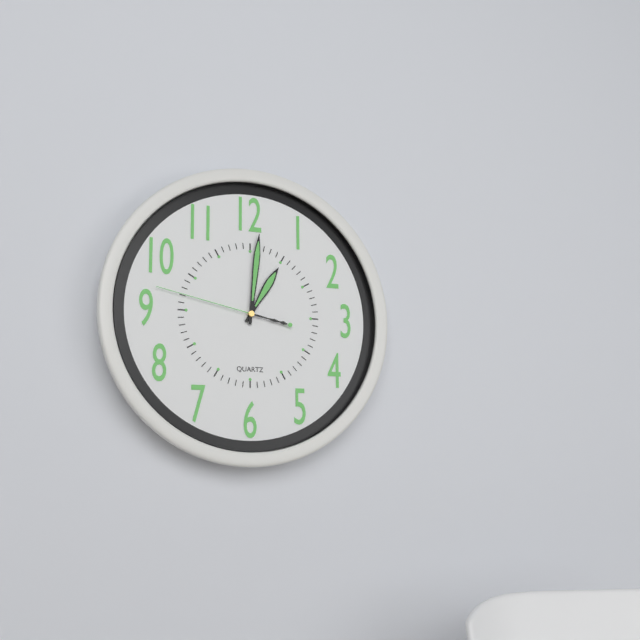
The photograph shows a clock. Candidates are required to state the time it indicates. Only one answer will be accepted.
1:01:47
